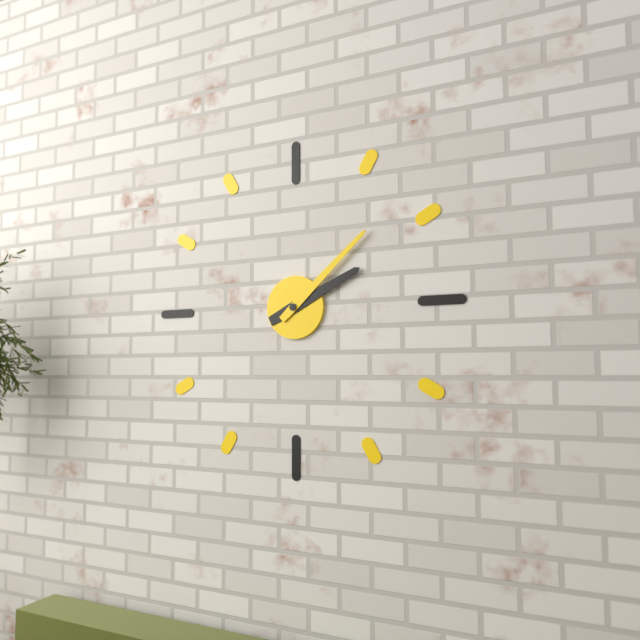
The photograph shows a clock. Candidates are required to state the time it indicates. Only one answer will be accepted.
2:08
